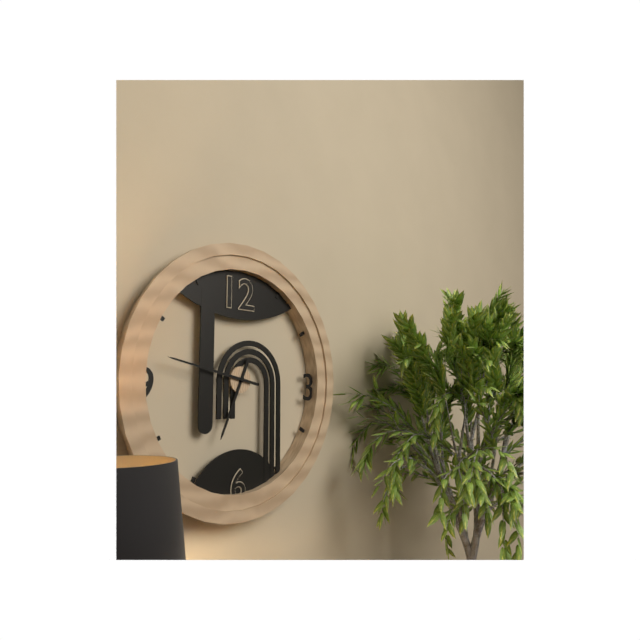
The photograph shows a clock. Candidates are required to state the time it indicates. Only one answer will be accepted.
6:47
